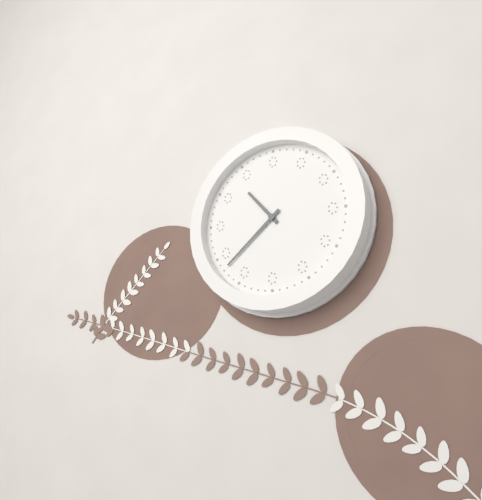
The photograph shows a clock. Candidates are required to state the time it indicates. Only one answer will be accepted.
10:38
